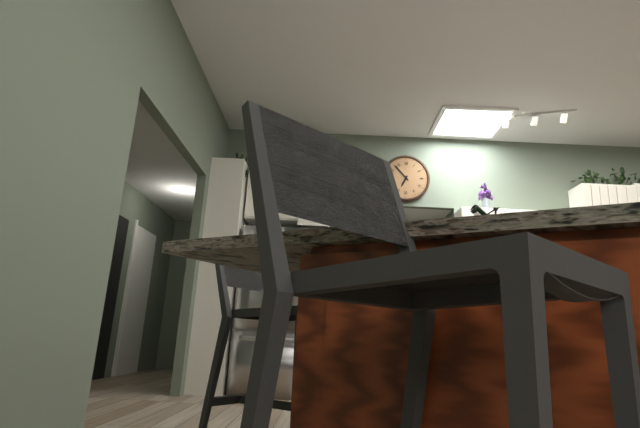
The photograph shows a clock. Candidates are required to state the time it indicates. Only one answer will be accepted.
6:53
